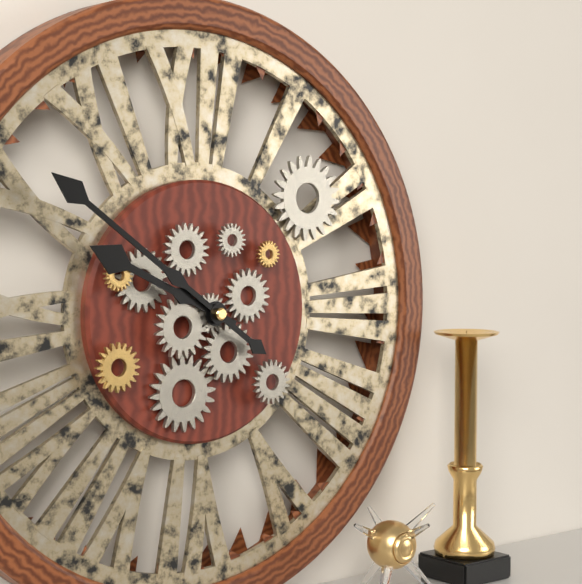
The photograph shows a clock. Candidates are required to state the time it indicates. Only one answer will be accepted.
9:51
